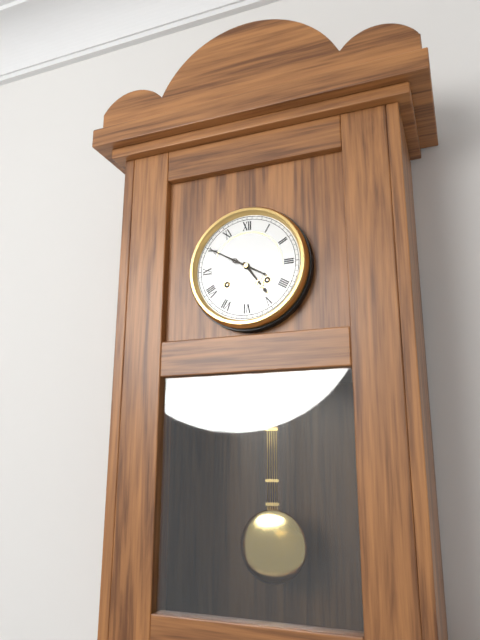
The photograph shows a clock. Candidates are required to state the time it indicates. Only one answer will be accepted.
4:50
